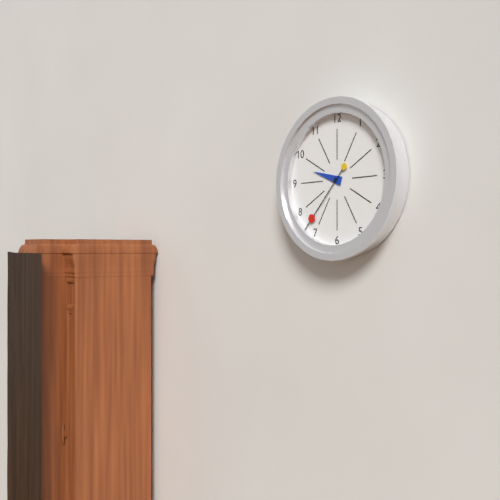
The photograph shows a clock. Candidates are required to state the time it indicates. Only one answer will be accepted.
9:37
